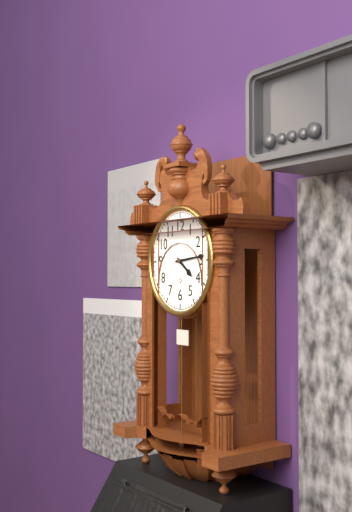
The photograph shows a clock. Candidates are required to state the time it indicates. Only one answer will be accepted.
4:14
